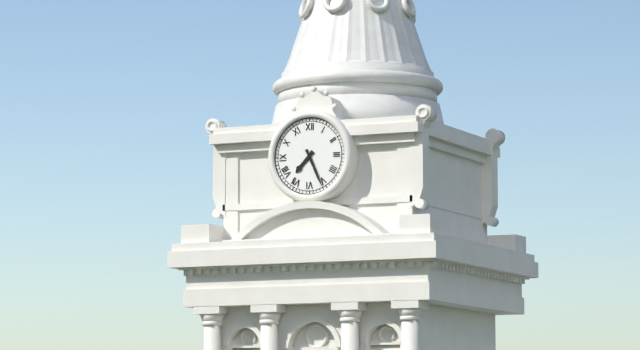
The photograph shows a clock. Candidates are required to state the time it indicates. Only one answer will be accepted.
7:26
